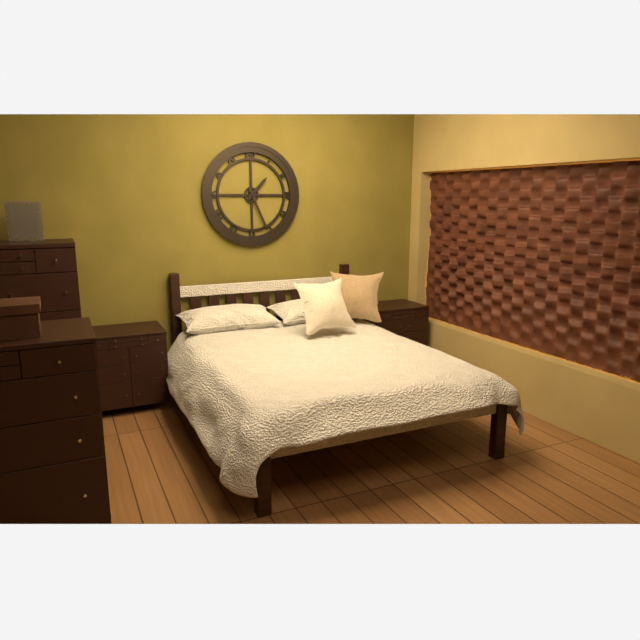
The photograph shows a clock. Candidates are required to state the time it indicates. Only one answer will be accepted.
1:26
